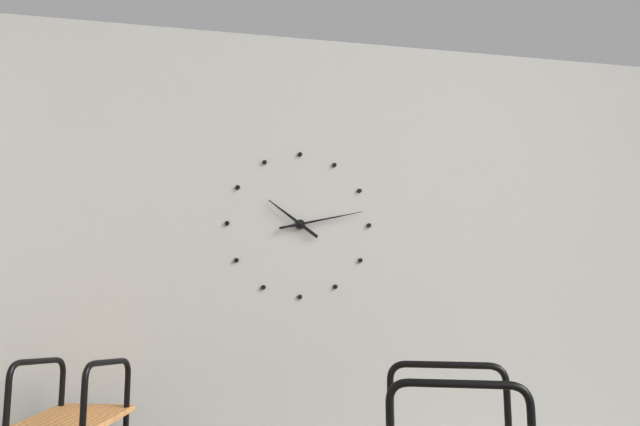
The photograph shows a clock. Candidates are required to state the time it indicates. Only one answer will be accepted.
10:13
